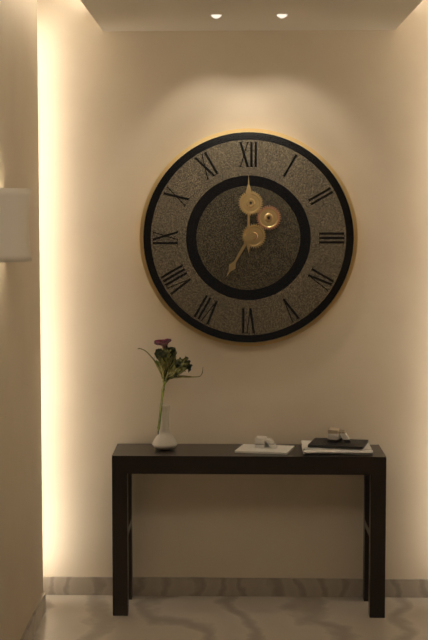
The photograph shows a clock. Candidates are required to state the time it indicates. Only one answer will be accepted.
7:00
